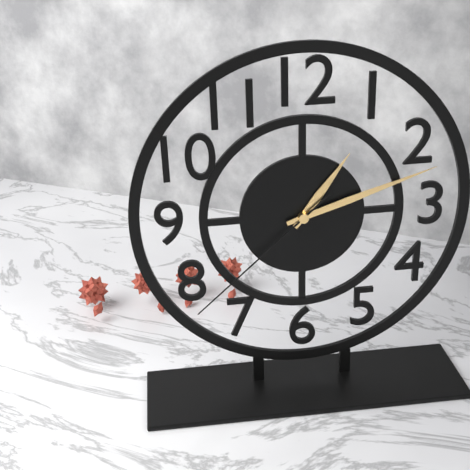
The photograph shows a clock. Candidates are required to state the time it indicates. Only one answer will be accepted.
1:12:38
